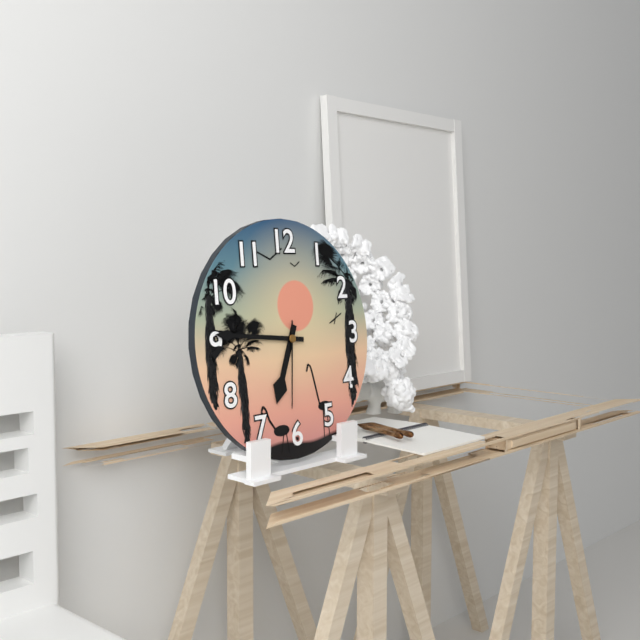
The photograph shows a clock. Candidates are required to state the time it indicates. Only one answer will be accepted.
6:46:31
